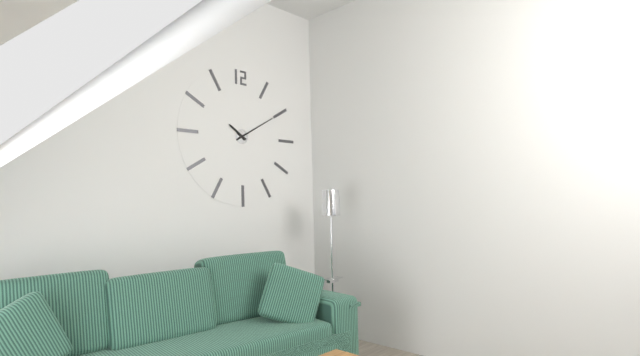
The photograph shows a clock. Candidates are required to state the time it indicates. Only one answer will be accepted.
10:10
